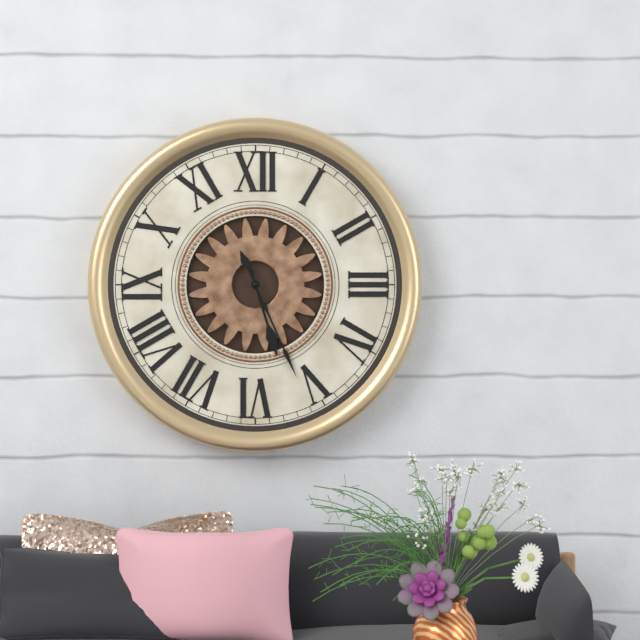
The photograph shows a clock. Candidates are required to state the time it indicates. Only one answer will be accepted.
5:26
